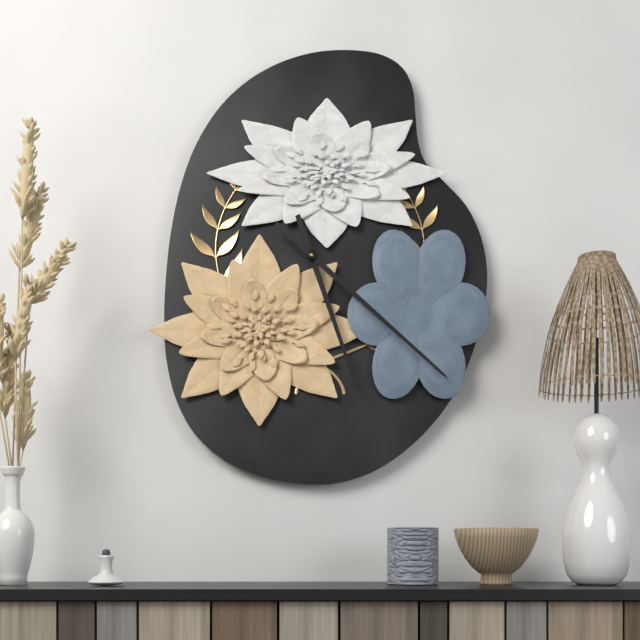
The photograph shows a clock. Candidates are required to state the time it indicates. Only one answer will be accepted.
5:22
